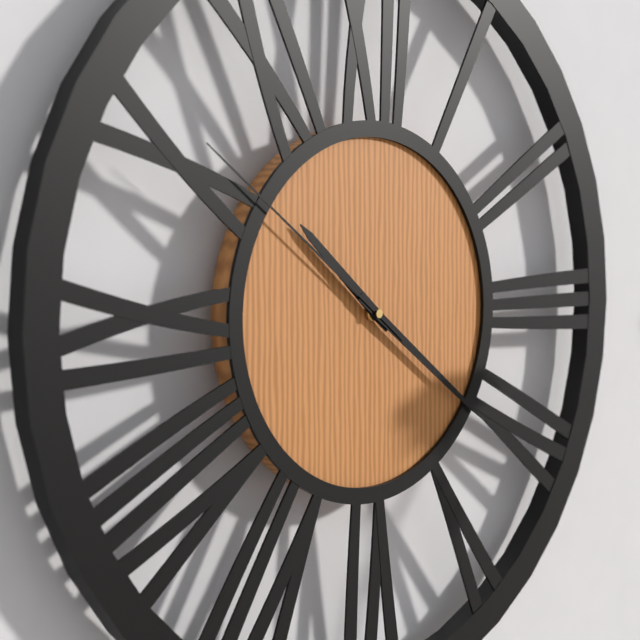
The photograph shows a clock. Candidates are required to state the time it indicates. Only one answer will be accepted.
10:21:51
